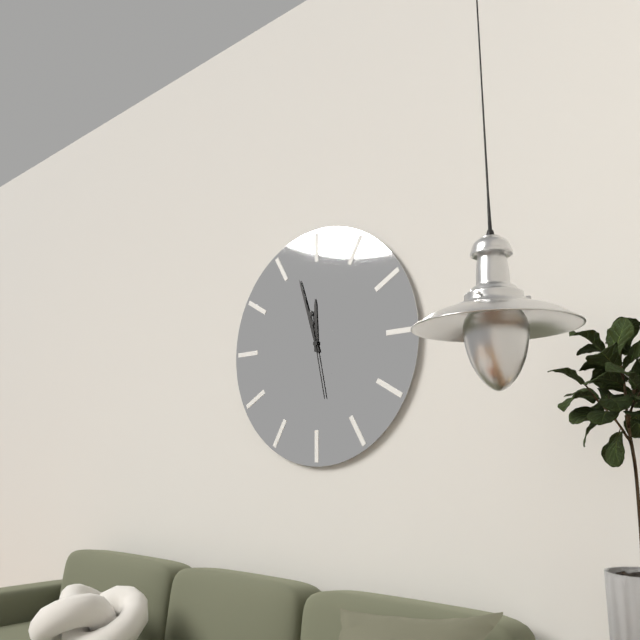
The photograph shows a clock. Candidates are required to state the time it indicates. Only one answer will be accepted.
11:57:28
